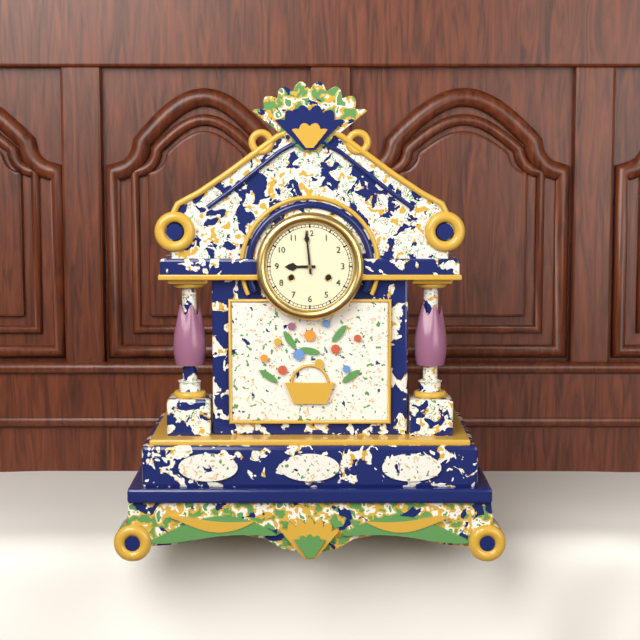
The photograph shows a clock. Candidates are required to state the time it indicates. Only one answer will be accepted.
8:59
